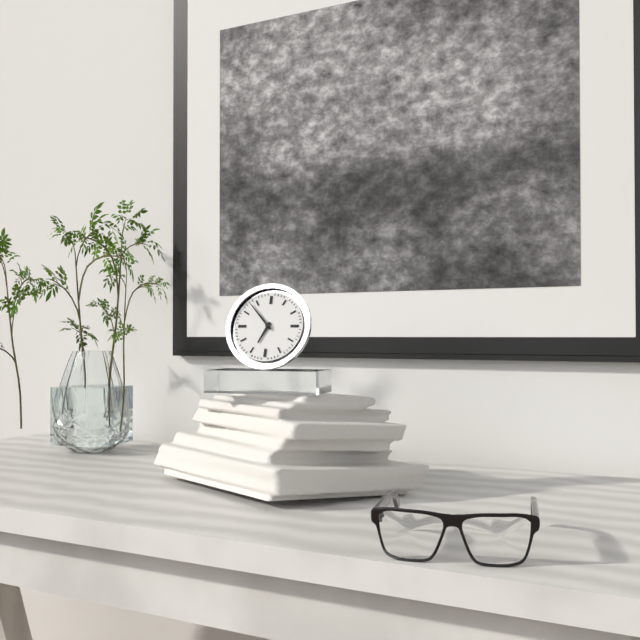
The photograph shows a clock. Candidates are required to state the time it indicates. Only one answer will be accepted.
6:53
